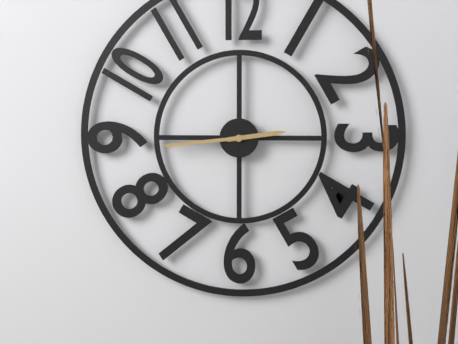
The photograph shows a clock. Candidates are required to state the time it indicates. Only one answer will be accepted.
2:44
